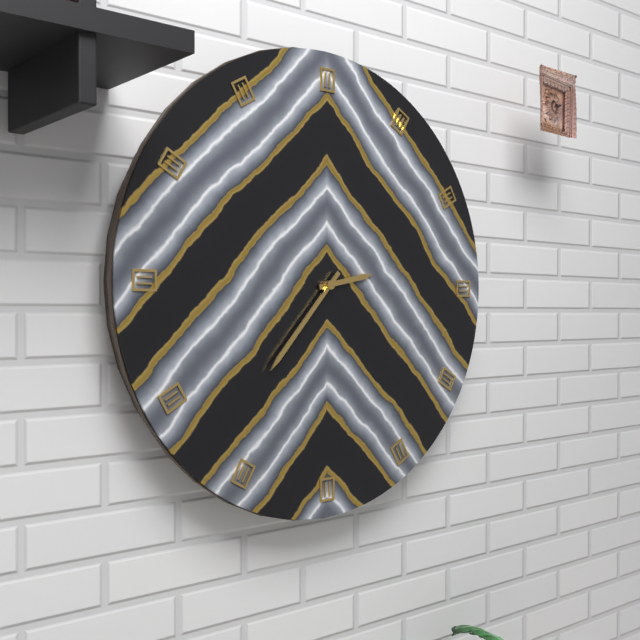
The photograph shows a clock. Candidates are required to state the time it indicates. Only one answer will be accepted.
2:37
